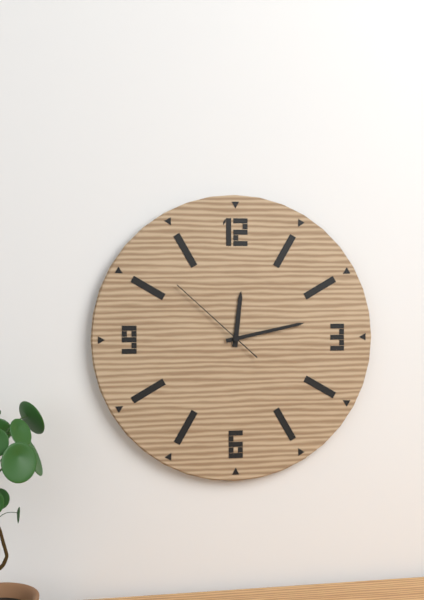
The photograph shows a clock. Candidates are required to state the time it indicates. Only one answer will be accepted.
12:13:52
